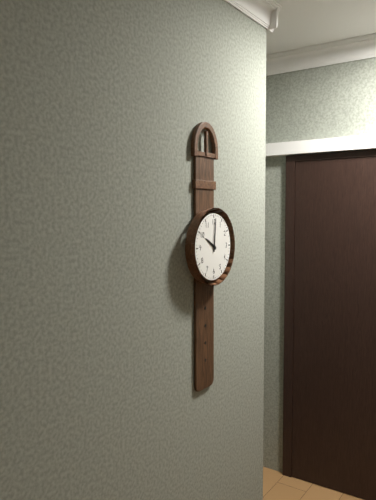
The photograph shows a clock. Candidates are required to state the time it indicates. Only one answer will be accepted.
10:01
